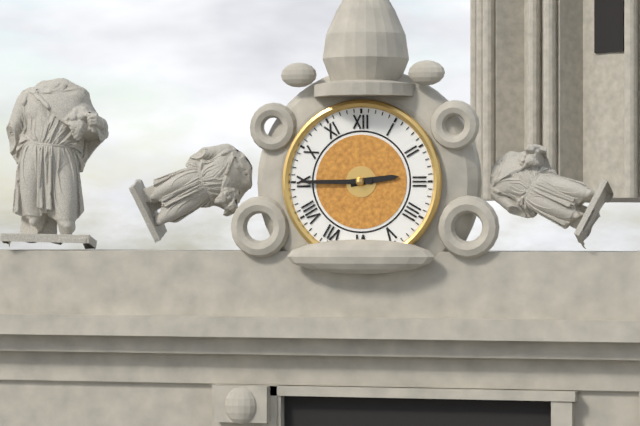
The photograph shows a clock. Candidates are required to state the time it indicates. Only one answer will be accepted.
2:45
